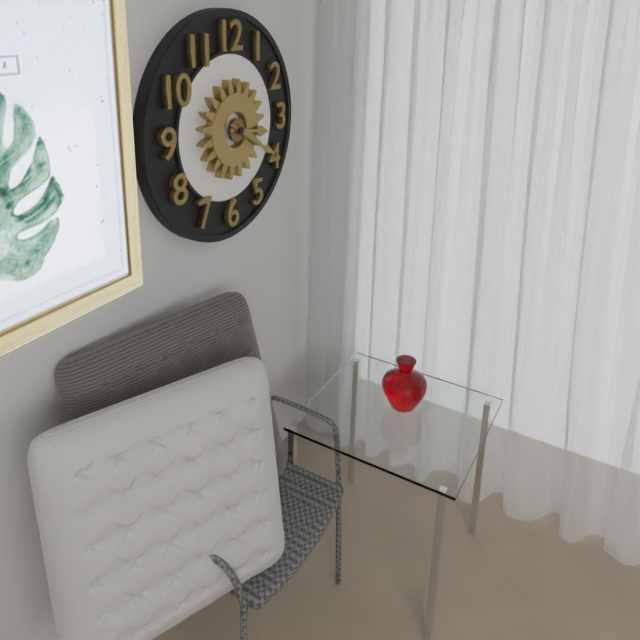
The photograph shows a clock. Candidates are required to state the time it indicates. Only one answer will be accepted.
3:20
